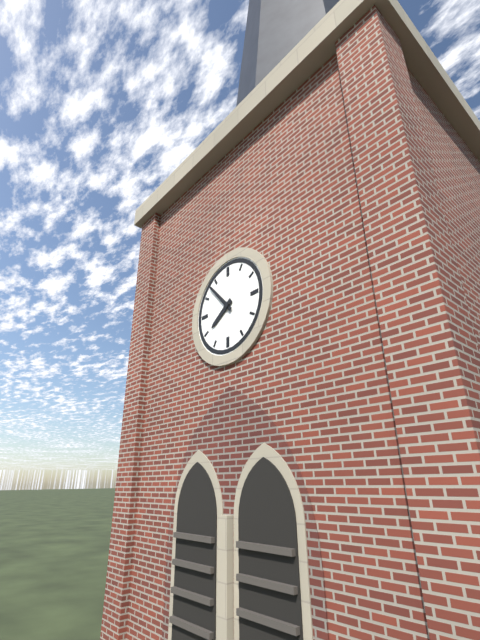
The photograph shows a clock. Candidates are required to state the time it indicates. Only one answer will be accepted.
7:53
